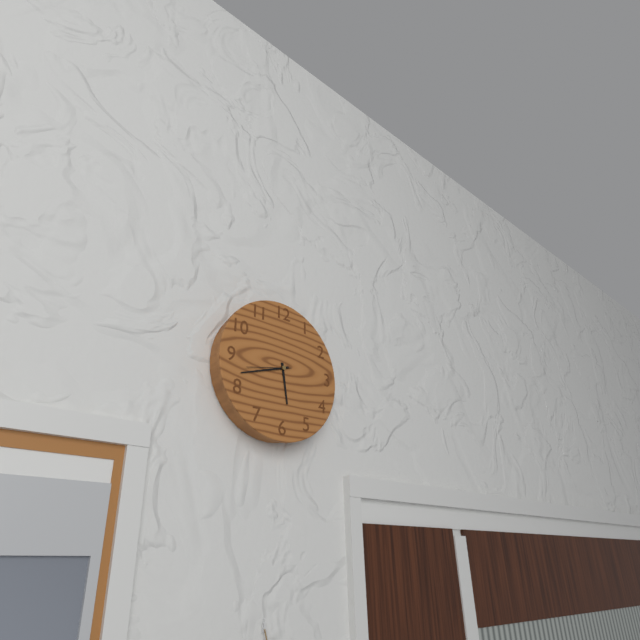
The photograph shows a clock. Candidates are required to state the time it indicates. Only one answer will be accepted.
5:42
